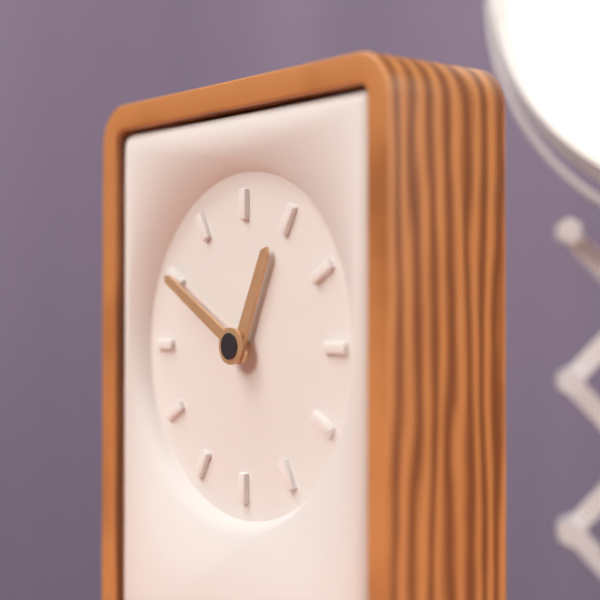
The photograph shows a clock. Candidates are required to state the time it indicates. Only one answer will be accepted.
12:50
